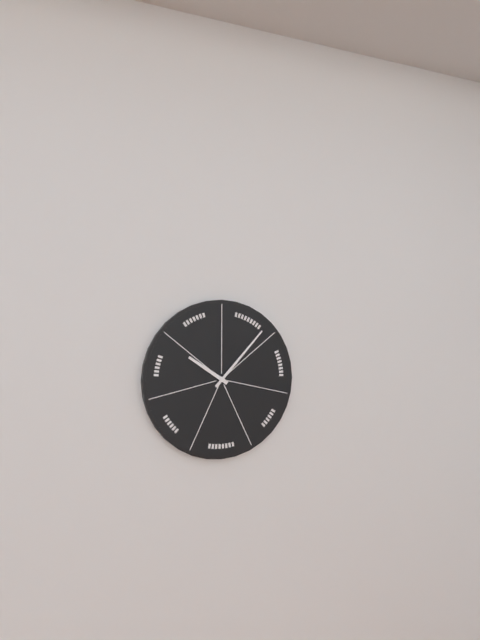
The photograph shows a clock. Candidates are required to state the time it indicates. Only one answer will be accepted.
10:07
